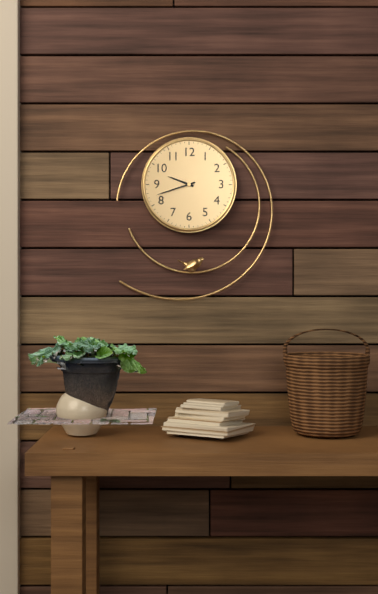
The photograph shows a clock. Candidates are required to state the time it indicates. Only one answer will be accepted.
9:42
